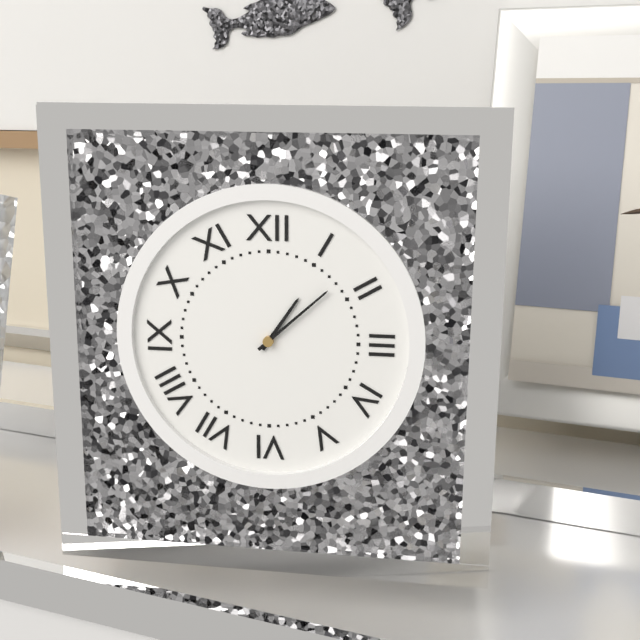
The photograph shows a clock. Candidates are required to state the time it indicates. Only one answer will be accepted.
1:08
